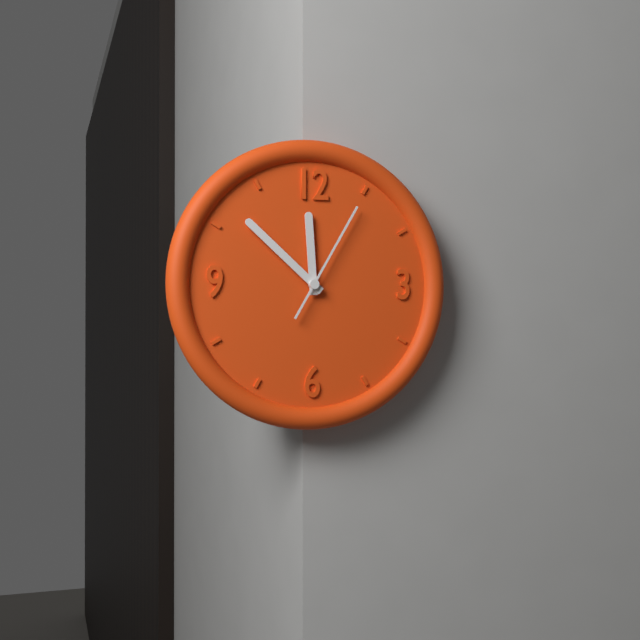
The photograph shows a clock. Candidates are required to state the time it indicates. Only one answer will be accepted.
11:52:05
